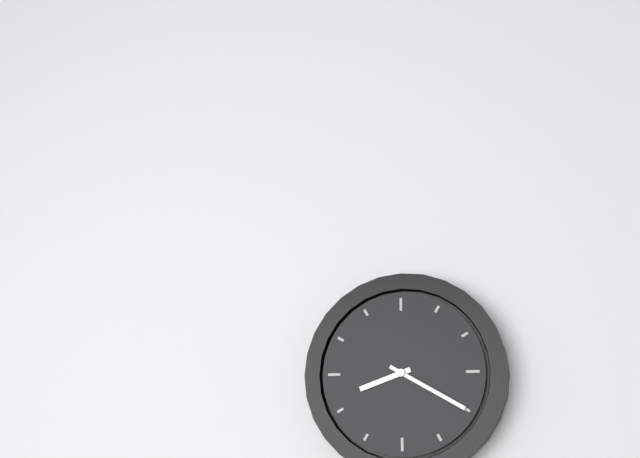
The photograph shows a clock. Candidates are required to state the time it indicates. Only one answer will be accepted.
8:20
